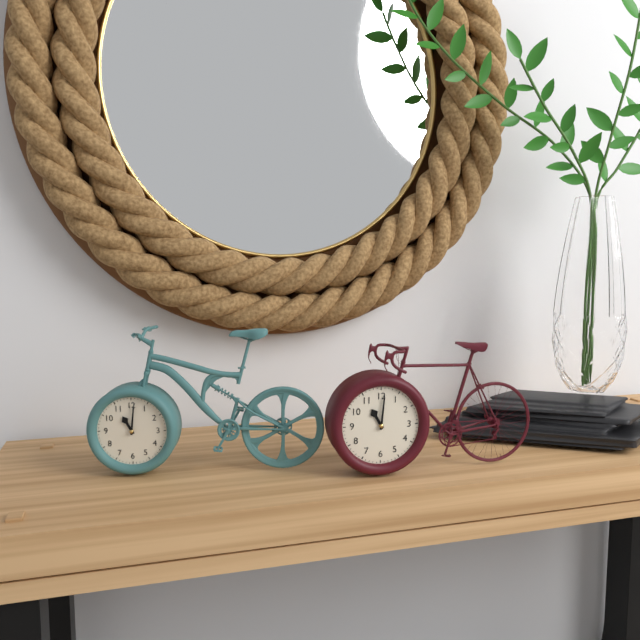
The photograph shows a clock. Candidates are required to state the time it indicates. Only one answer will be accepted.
11:01
